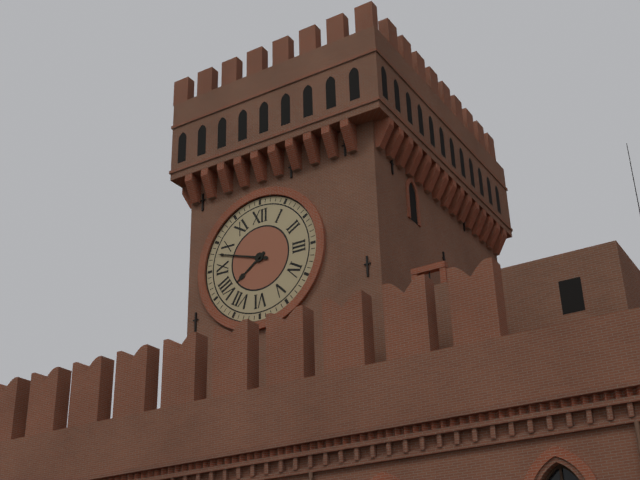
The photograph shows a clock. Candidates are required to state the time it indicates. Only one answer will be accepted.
7:48
